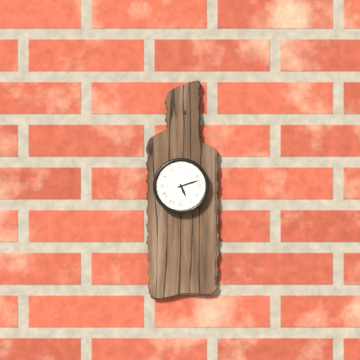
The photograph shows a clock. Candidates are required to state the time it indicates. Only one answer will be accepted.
5:12
